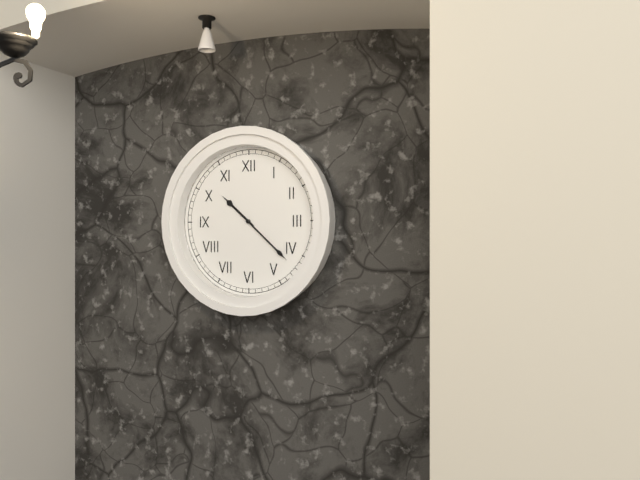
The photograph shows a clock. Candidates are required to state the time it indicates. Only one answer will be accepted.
10:22
